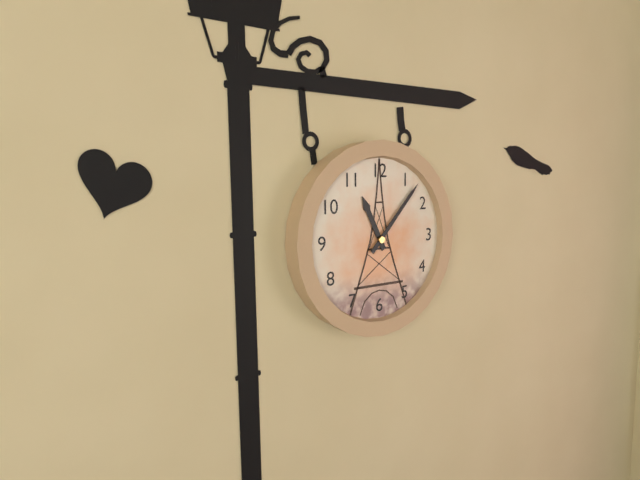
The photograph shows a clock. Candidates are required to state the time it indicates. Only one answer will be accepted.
11:07
